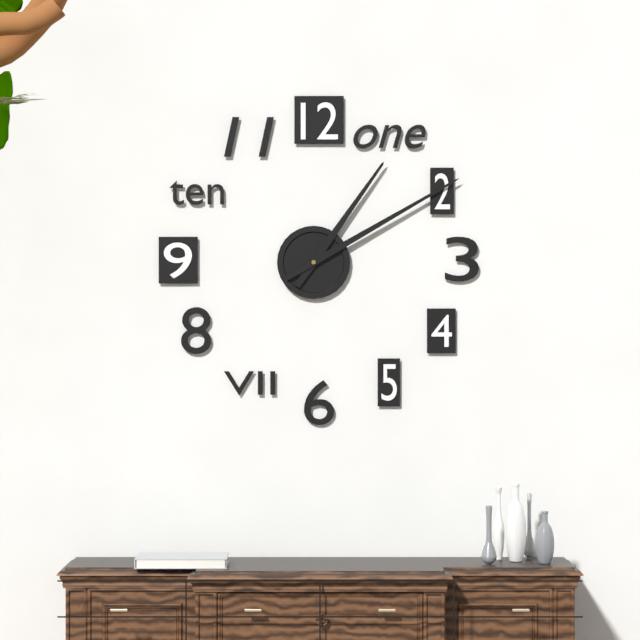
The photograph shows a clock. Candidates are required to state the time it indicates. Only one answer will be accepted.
1:10
